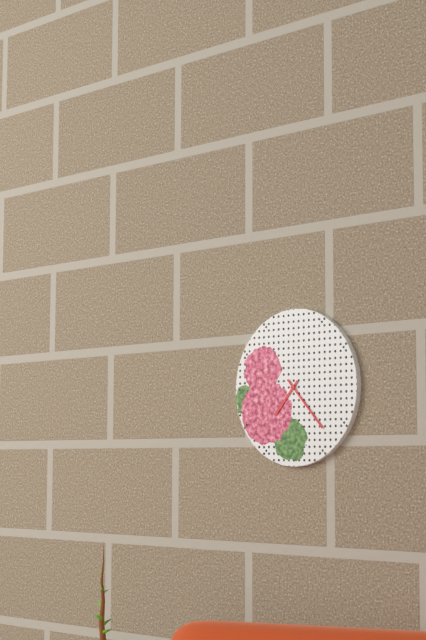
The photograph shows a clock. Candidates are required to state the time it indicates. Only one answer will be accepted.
7:23
